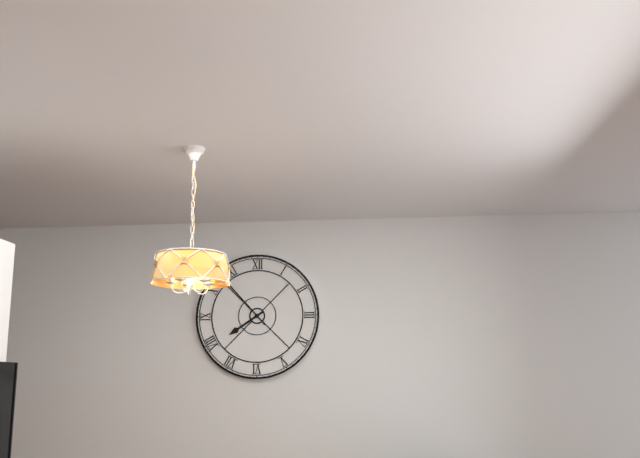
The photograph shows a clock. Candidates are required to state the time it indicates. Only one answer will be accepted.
7:53
